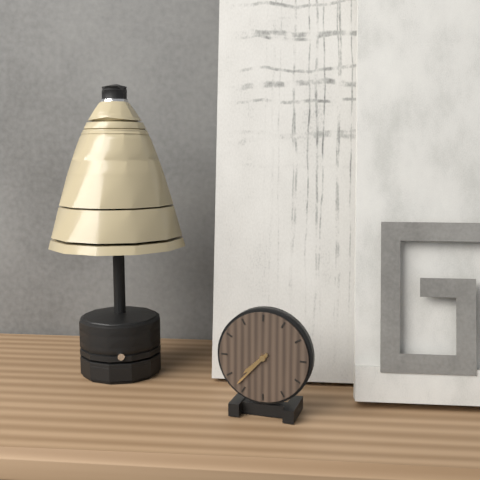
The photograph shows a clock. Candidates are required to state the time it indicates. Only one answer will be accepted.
7:37
